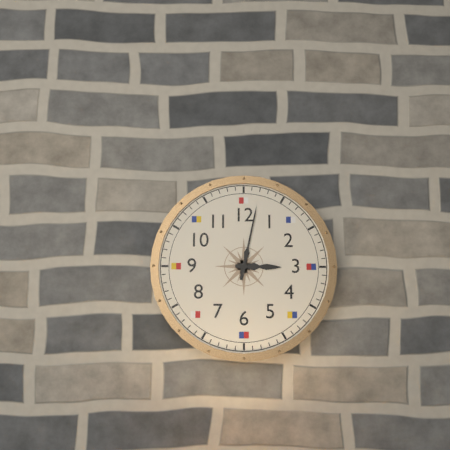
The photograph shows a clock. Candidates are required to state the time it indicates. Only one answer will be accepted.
3:02
